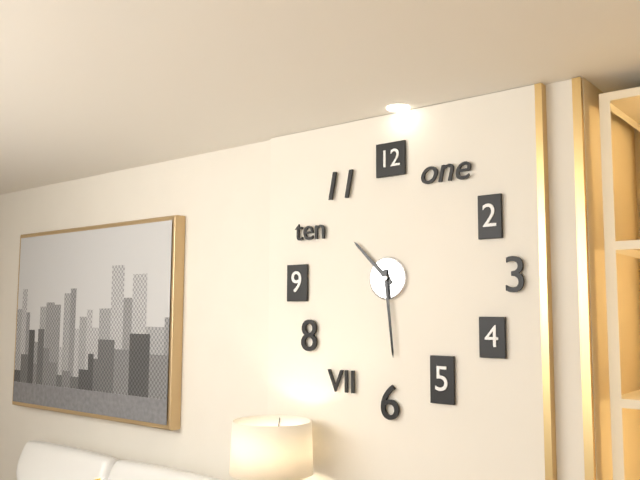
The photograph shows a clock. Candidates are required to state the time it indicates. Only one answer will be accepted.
10:29
